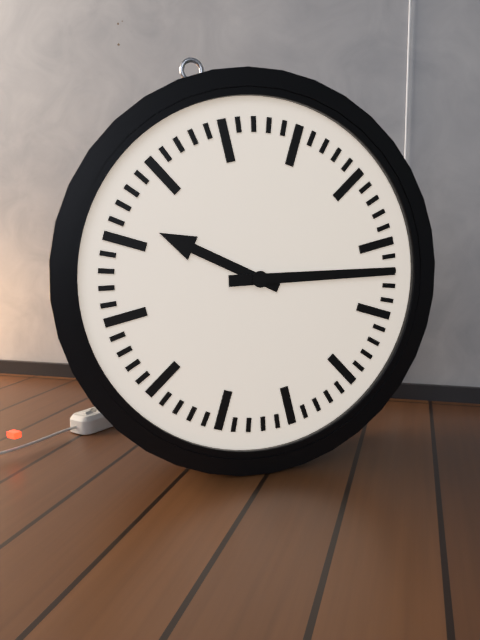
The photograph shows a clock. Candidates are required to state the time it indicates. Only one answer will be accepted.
10:17
